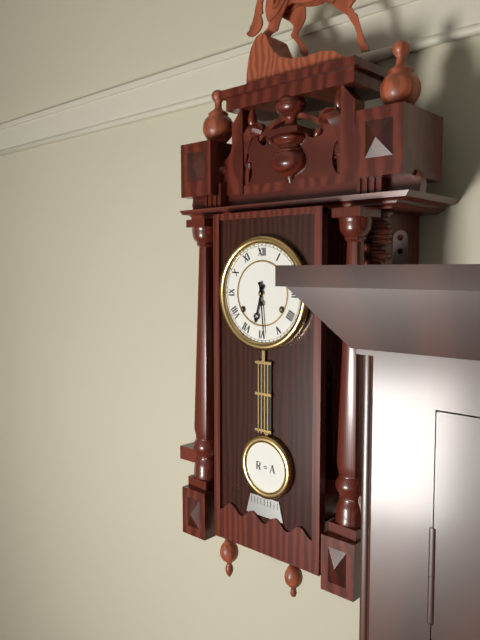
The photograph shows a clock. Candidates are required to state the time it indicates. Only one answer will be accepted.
6:29
